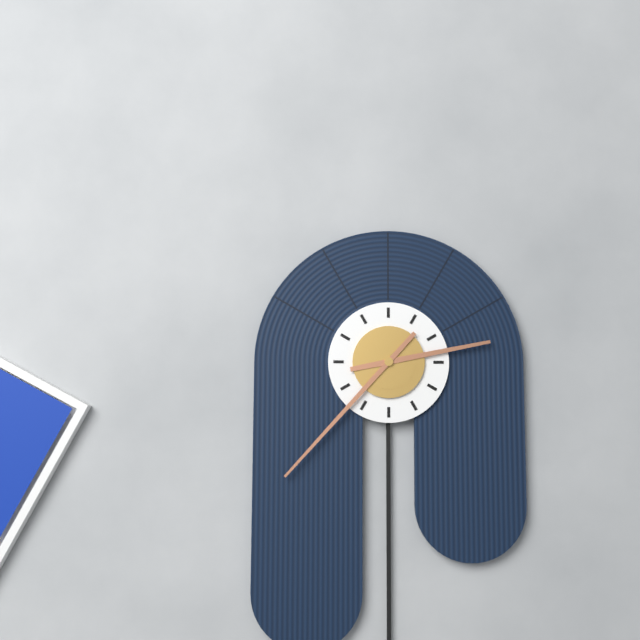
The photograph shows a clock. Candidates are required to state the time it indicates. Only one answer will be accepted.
2:37
